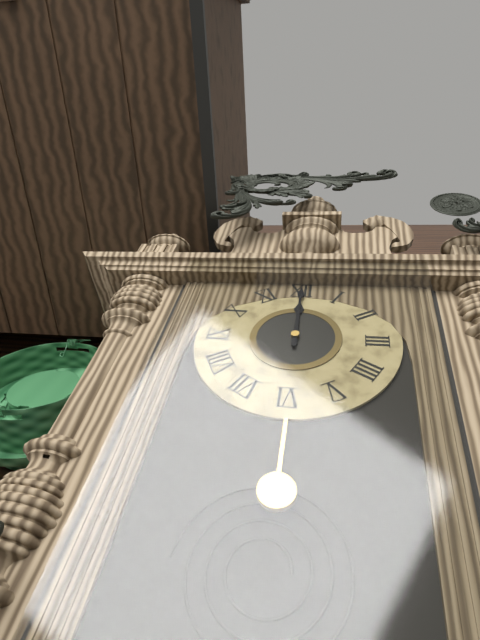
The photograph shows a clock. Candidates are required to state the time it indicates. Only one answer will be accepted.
12:00
